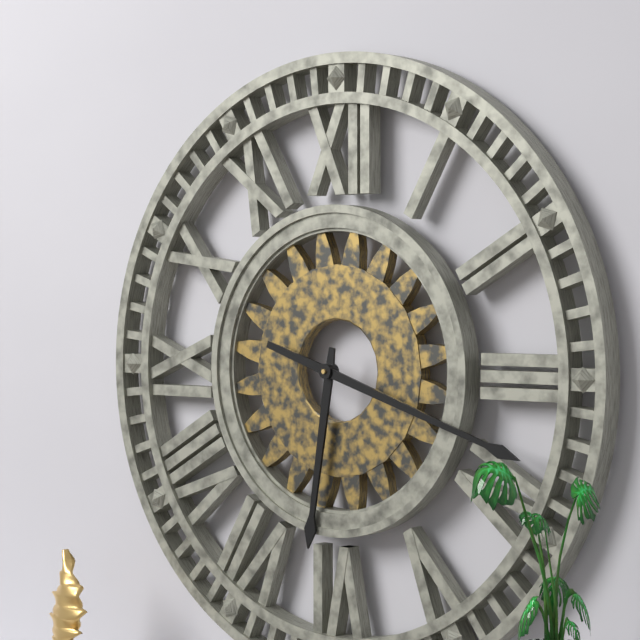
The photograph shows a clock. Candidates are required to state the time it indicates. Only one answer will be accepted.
6:18
